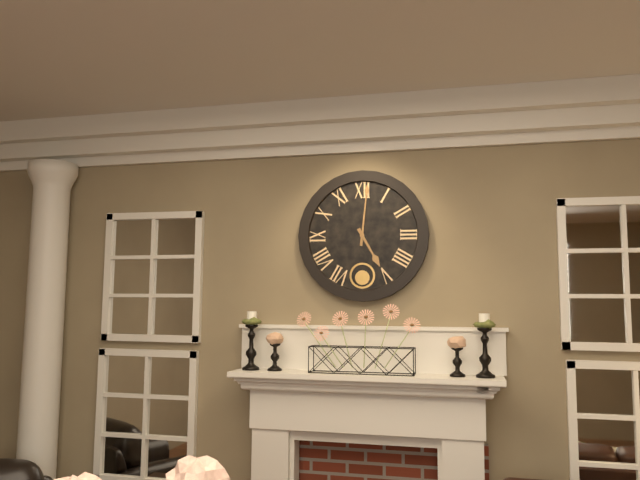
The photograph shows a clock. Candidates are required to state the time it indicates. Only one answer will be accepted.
5:01
